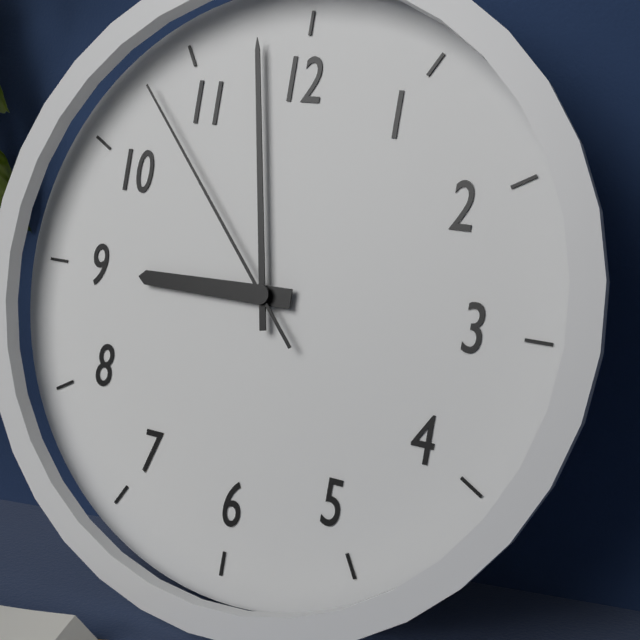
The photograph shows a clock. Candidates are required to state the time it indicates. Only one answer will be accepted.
8:58:53
